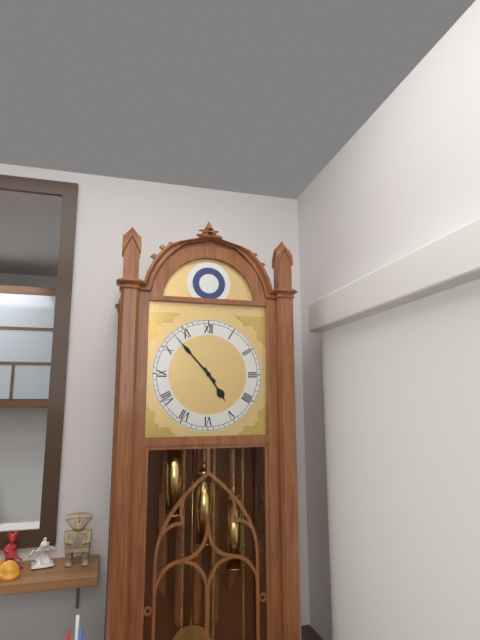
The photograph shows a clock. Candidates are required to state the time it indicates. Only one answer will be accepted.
4:53
